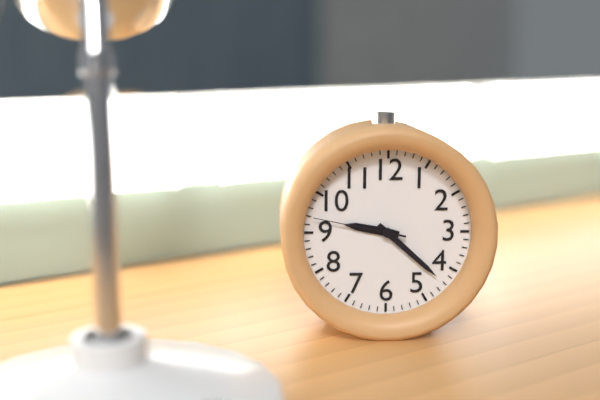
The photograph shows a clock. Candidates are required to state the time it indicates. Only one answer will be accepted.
9:22:47
